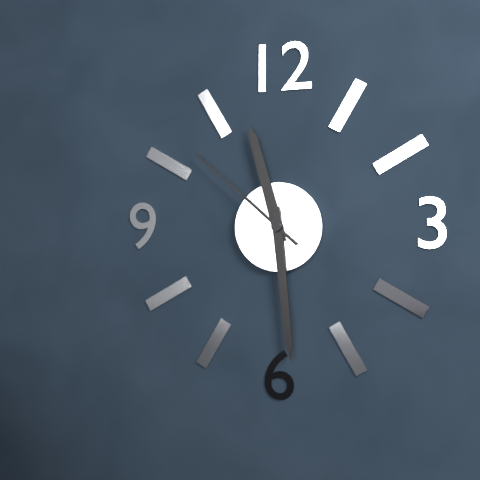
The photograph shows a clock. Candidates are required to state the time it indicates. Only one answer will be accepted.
11:29:52
